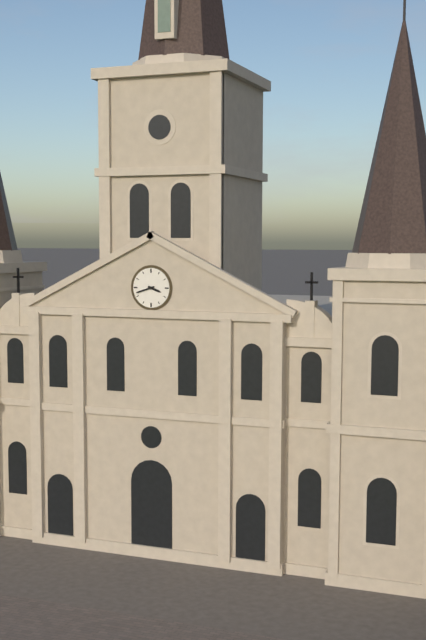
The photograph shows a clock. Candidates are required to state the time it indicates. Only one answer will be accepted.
3:42
